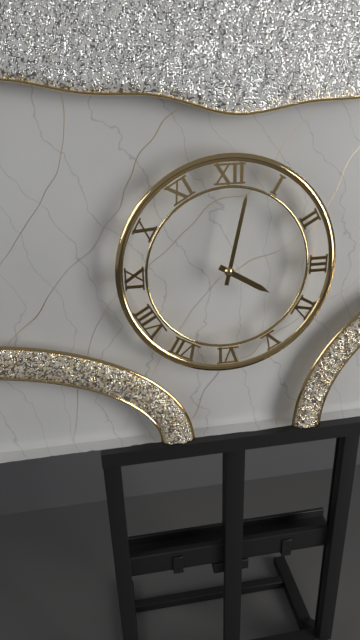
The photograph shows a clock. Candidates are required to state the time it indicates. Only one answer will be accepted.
4:02
